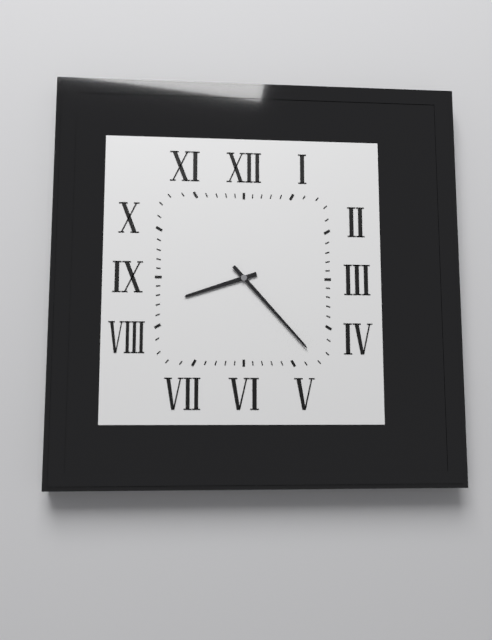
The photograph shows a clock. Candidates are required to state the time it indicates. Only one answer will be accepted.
8:23
